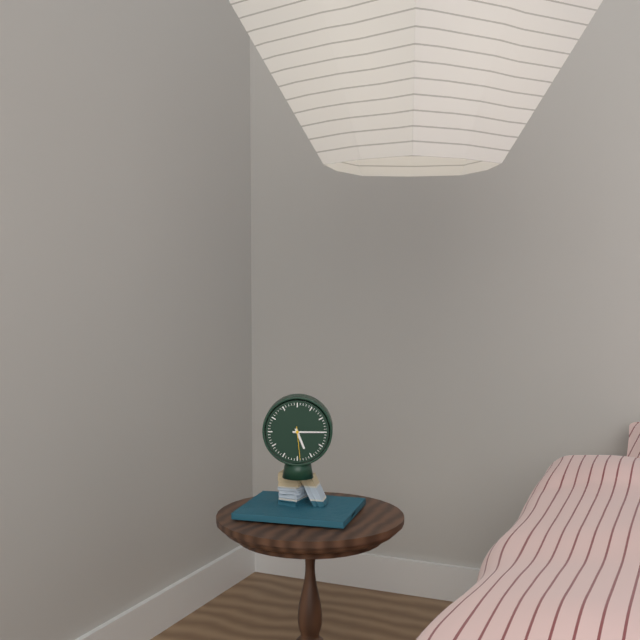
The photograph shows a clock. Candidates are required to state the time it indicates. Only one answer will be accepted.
5:15
